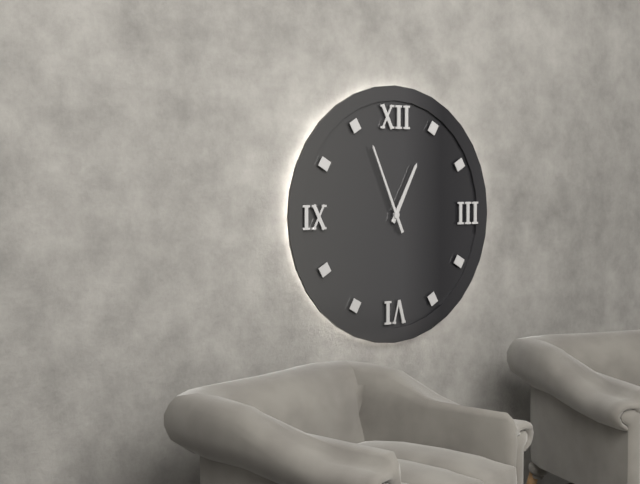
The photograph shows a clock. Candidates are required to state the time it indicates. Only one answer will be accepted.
12:56
